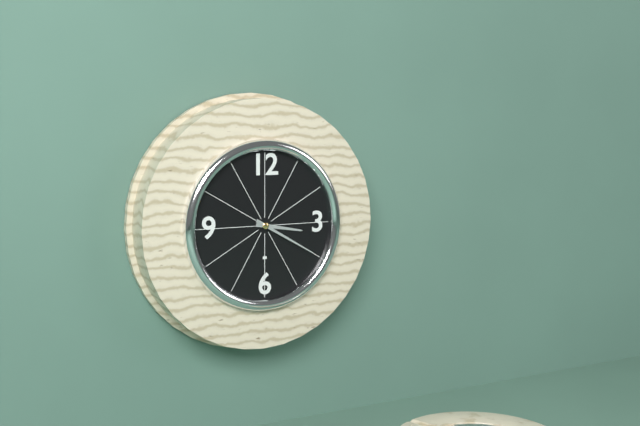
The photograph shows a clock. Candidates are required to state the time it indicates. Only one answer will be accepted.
3:20
